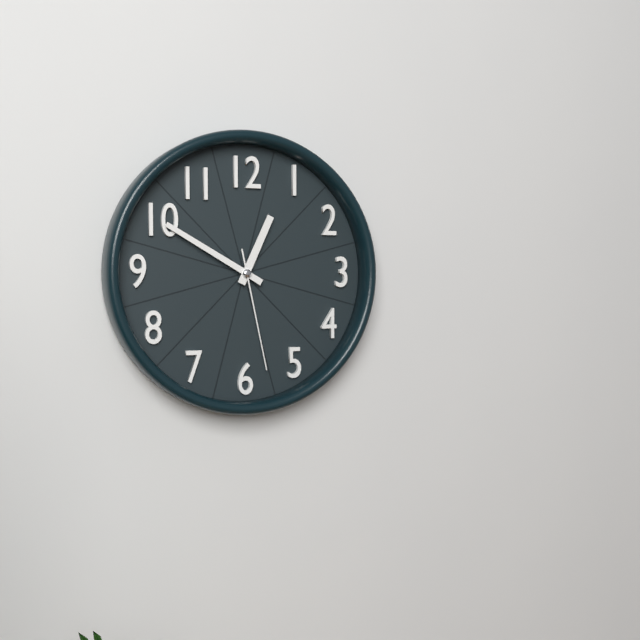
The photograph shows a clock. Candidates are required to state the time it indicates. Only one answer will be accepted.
12:50:28
